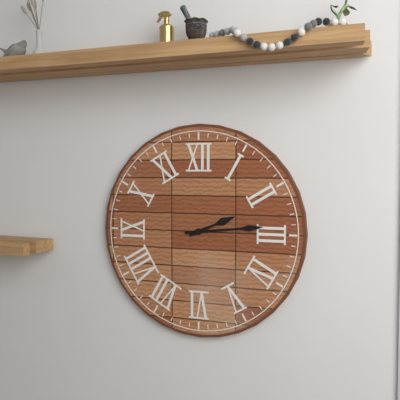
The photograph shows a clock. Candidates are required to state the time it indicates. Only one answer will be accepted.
2:14
